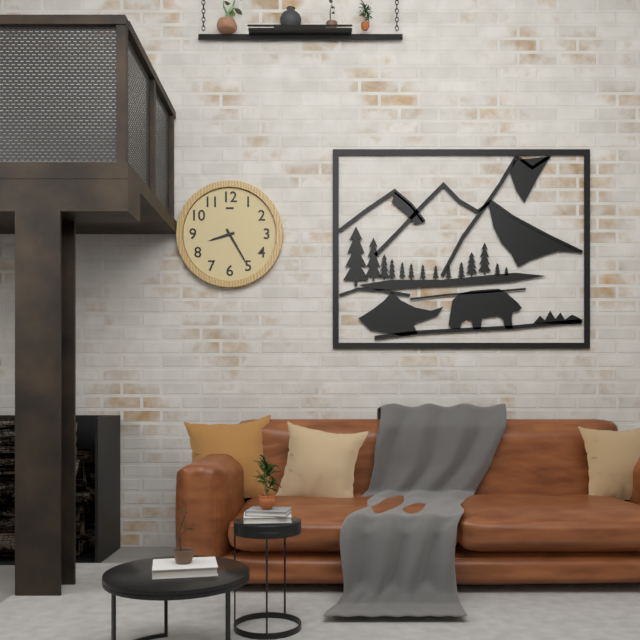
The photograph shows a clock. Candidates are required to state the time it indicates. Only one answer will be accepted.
8:25
